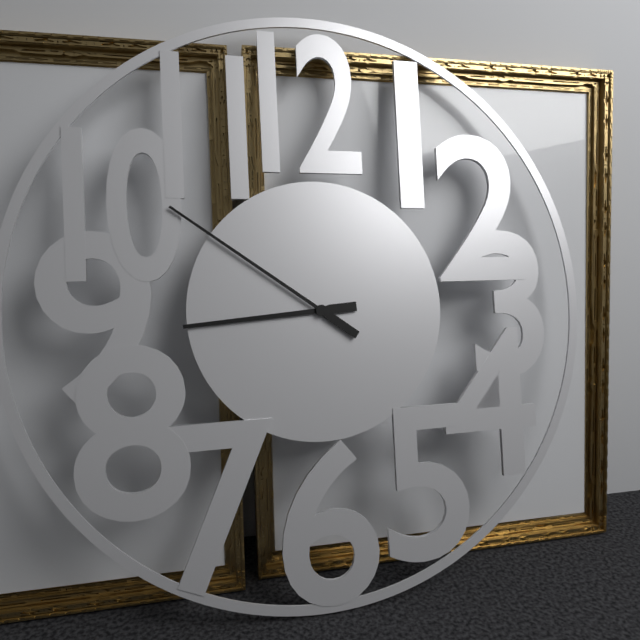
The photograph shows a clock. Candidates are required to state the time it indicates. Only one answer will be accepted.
8:51
